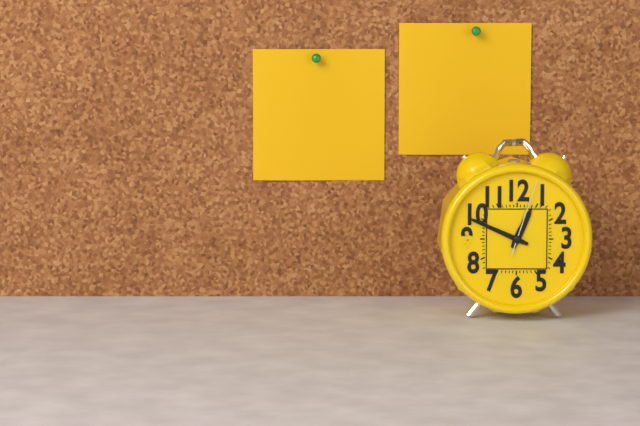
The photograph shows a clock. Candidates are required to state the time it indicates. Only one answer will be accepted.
12:49:03
